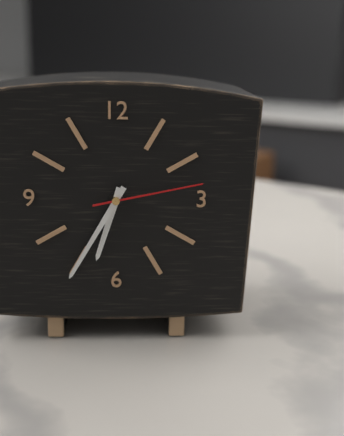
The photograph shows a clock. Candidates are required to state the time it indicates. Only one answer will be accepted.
6:35:13
